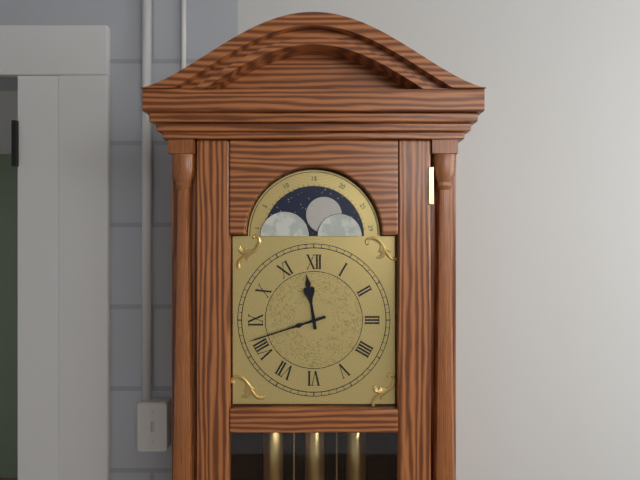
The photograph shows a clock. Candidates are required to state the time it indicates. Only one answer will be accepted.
11:42
